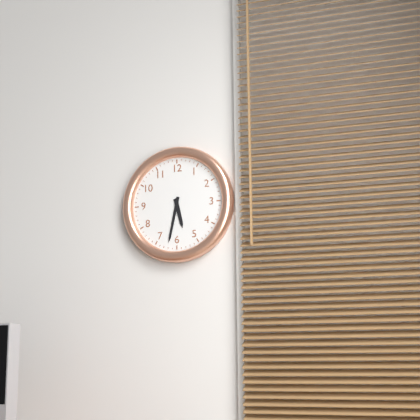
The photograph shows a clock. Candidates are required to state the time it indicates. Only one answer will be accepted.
5:32
